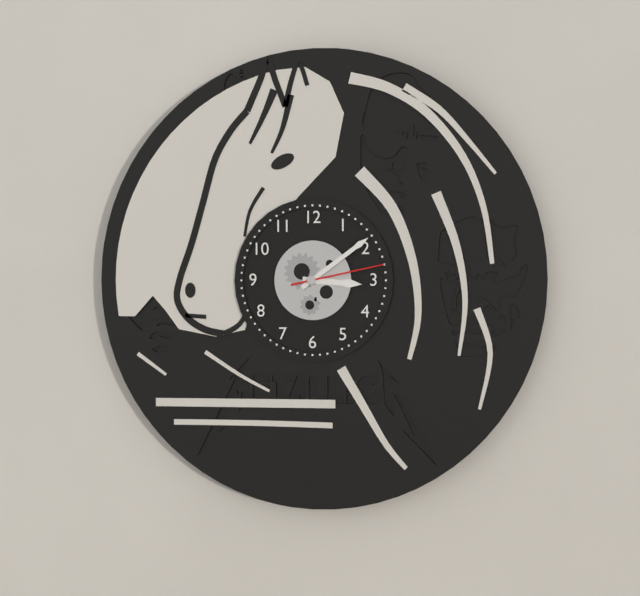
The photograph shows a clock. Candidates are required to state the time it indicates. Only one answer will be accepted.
3:09:13
